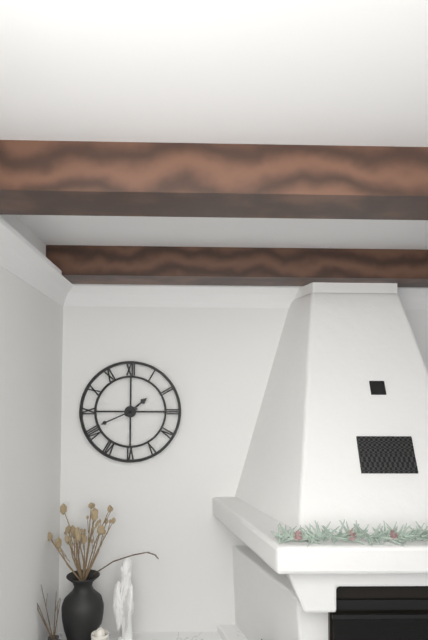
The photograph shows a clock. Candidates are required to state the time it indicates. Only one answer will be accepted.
1:41
